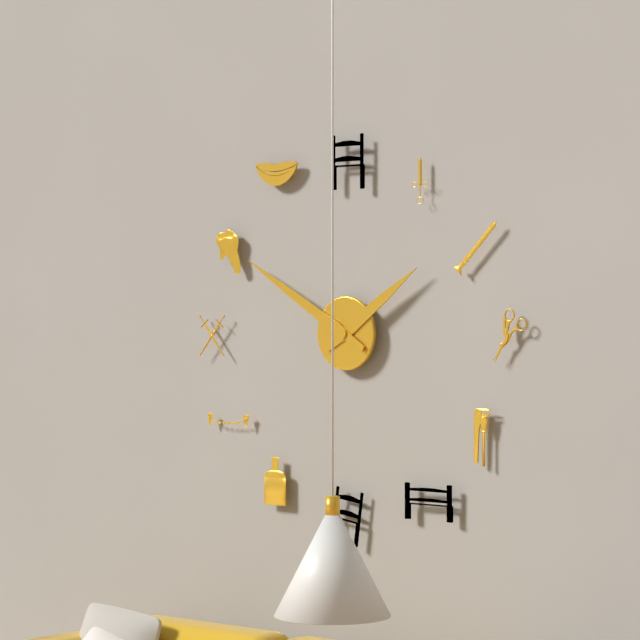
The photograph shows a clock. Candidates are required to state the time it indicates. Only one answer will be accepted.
1:50
